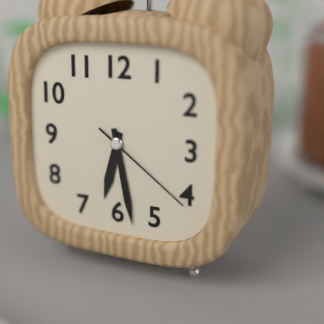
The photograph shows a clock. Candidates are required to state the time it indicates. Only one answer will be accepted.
6:28:21
